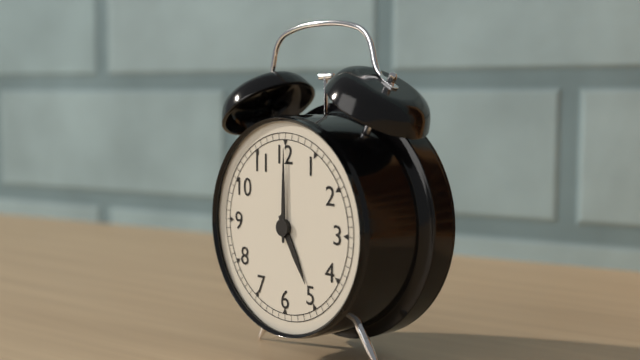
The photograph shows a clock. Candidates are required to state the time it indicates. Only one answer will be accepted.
5:00
